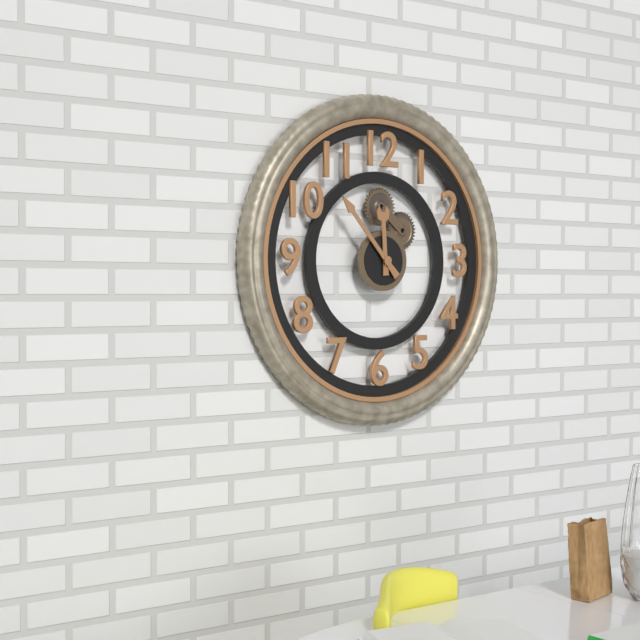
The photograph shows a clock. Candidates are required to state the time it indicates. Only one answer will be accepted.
11:53
